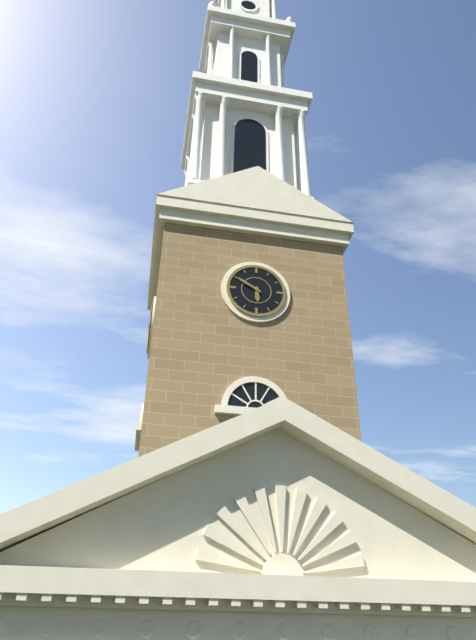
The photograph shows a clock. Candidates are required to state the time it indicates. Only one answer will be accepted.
5:50
